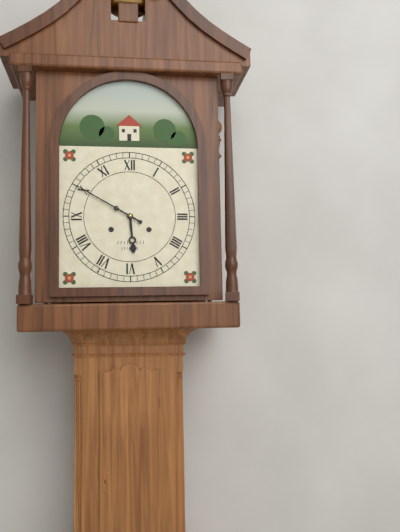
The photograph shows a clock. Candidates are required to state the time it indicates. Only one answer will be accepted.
5:50
